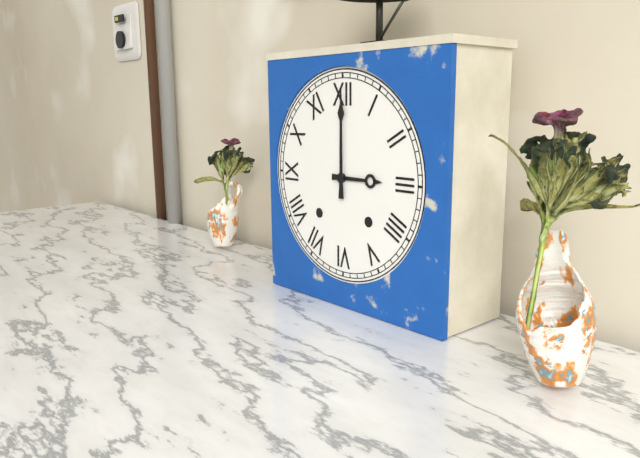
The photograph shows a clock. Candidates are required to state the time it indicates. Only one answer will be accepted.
3:00
